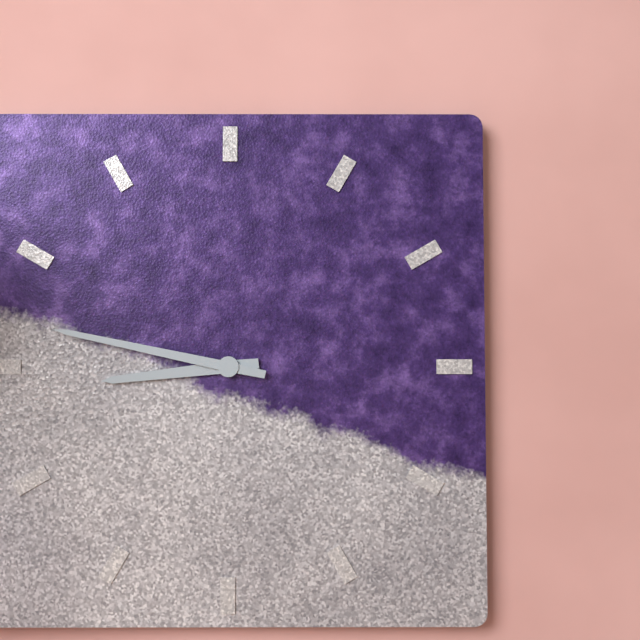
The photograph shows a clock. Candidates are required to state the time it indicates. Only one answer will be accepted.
8:47
